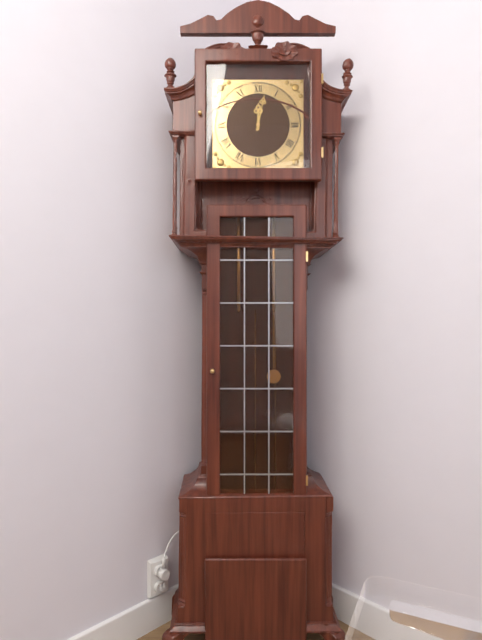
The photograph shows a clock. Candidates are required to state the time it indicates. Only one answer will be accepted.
12:02
